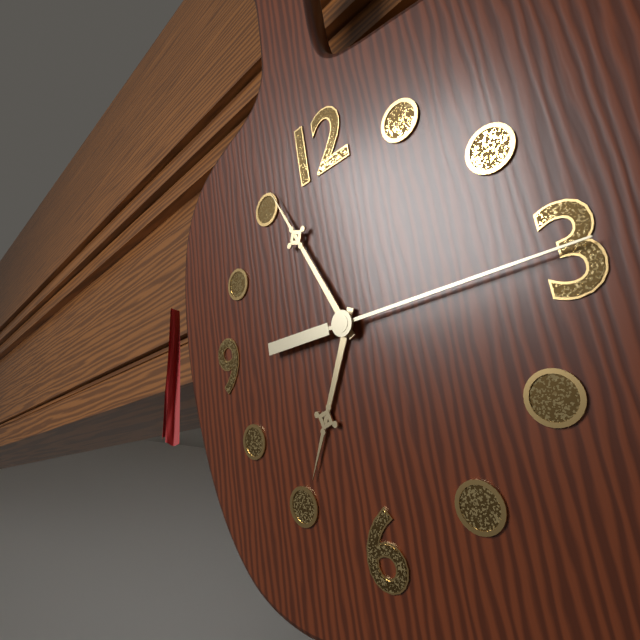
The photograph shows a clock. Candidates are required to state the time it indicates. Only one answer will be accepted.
6:56:15
